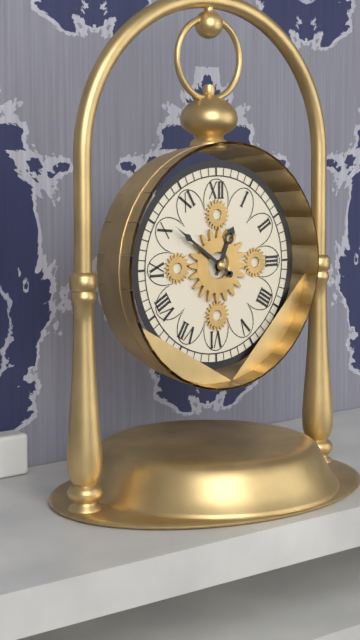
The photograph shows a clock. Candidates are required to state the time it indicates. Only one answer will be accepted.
12:51
